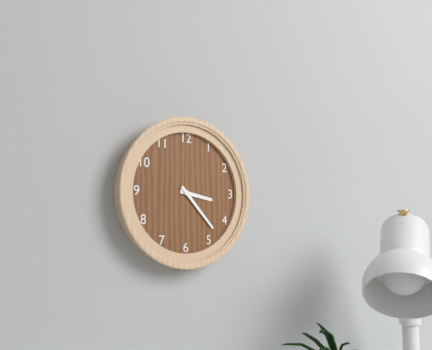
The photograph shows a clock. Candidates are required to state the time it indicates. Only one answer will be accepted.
3:23
